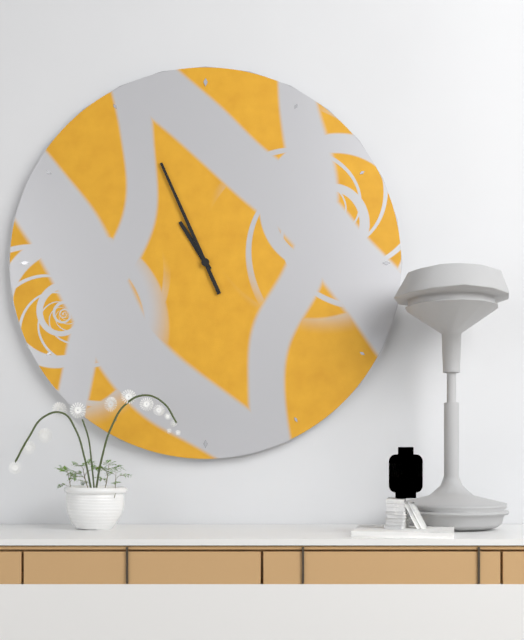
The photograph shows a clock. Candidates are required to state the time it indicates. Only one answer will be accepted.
10:56
